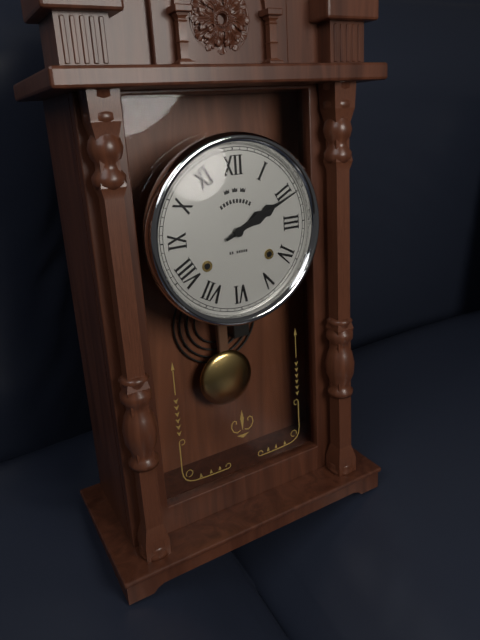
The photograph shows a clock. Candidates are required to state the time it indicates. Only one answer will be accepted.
2:11
